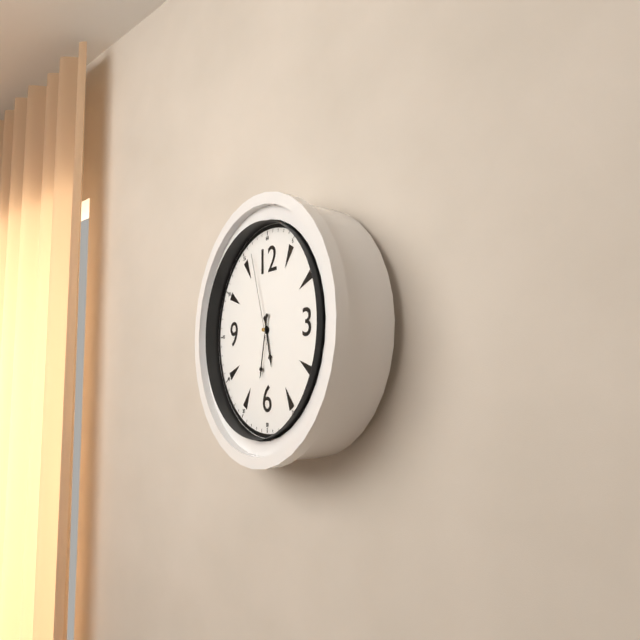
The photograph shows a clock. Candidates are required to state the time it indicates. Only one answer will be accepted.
5:32:57
